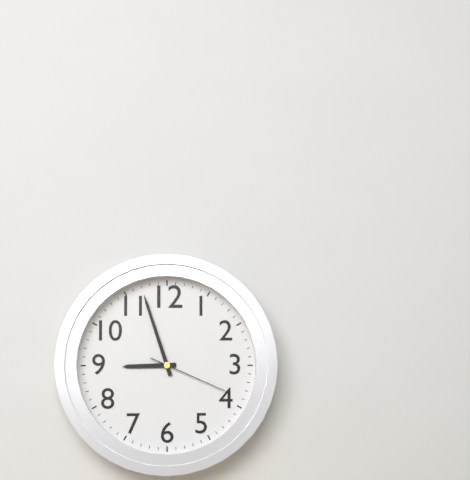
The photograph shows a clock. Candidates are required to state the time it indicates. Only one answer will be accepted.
8:57:19
